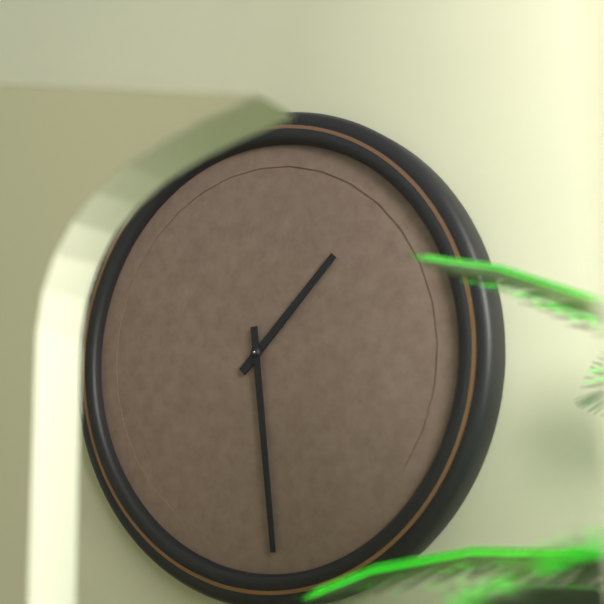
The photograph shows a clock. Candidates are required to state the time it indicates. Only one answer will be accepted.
1:29
